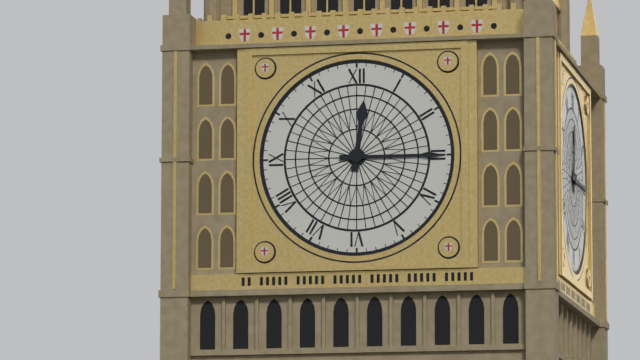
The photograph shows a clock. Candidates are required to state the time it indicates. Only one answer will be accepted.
12:15
